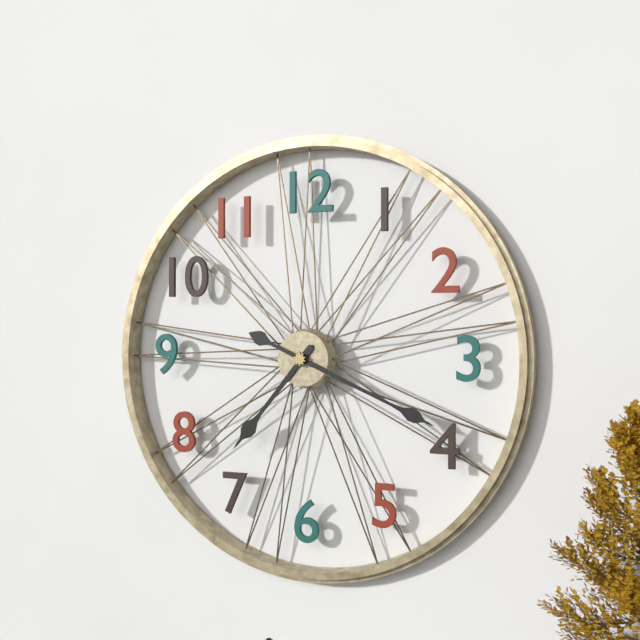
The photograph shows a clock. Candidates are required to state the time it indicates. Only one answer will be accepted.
7:19
